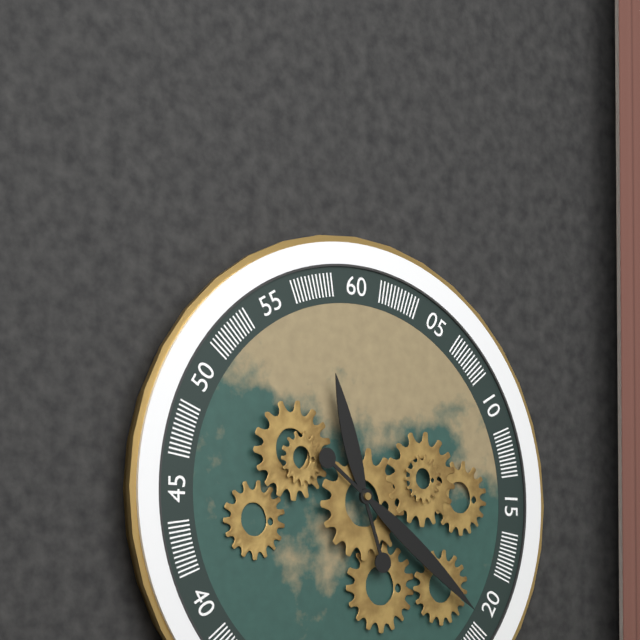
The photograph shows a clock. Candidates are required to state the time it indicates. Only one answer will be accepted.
11:21
